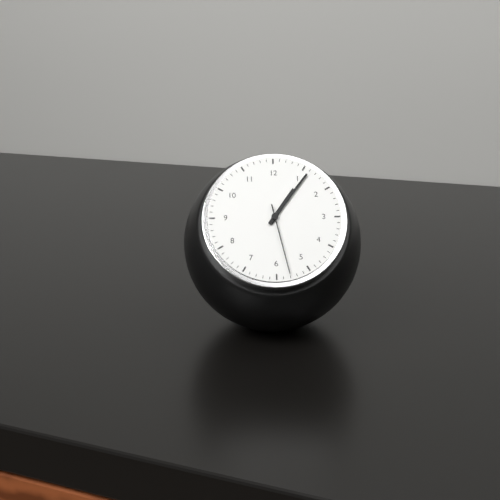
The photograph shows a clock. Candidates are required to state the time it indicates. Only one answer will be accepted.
1:06:28
